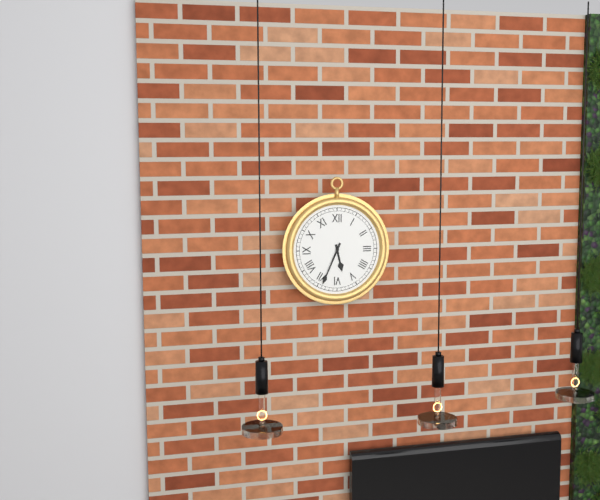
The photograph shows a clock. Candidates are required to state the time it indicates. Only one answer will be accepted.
5:34
